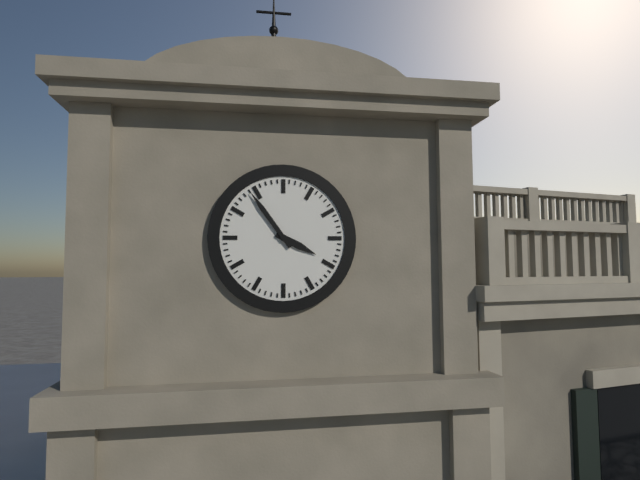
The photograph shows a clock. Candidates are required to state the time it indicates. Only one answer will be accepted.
3:54
